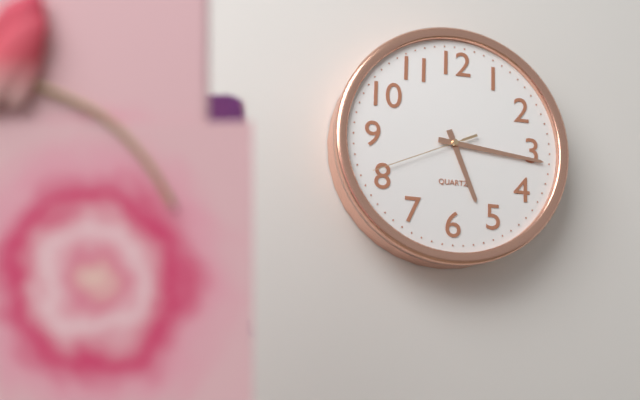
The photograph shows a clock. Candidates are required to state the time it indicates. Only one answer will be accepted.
5:16:41
